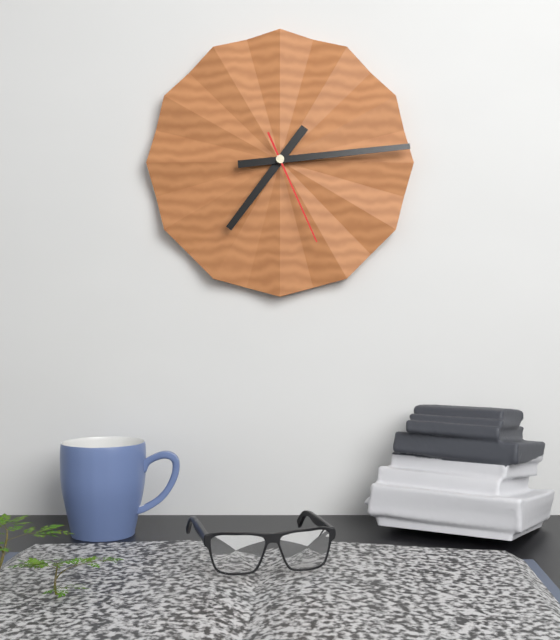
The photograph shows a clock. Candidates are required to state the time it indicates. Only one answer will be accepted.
7:14:26
